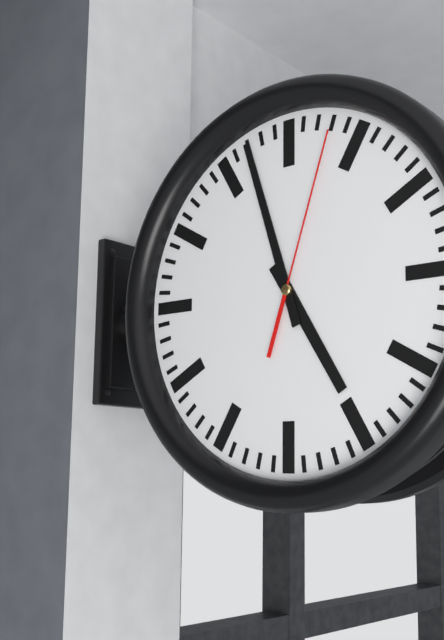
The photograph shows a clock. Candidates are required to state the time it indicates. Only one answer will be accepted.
4:57:03
